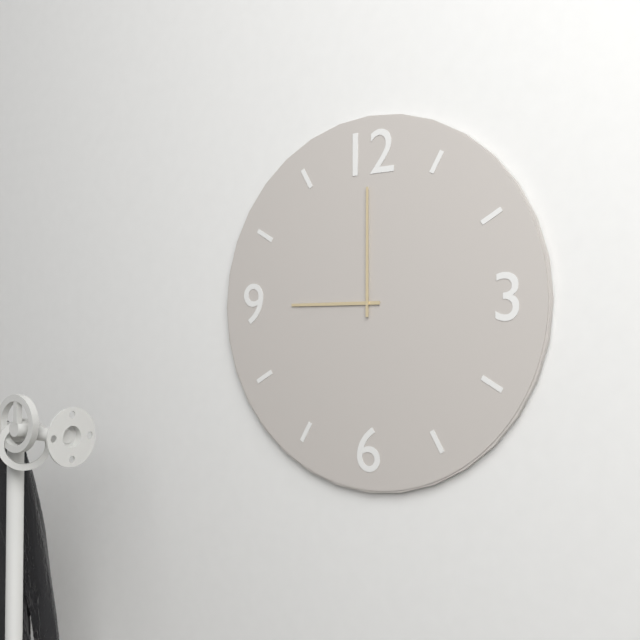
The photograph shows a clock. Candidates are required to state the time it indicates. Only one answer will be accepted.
9:00
